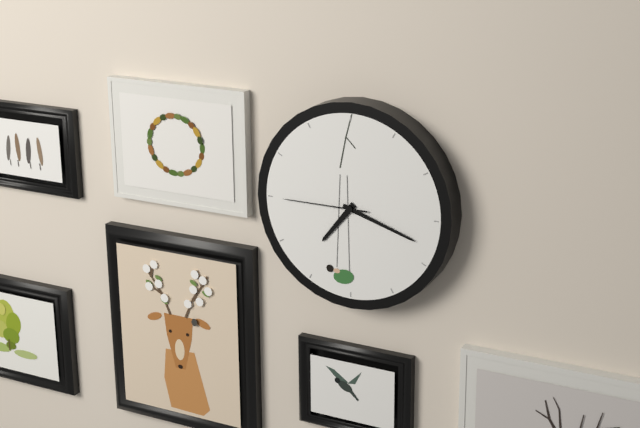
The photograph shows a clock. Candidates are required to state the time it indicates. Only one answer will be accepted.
7:18:45
